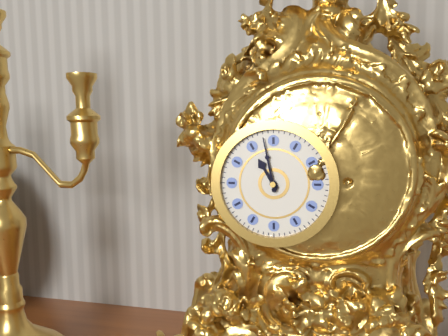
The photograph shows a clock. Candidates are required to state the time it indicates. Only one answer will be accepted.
10:58
